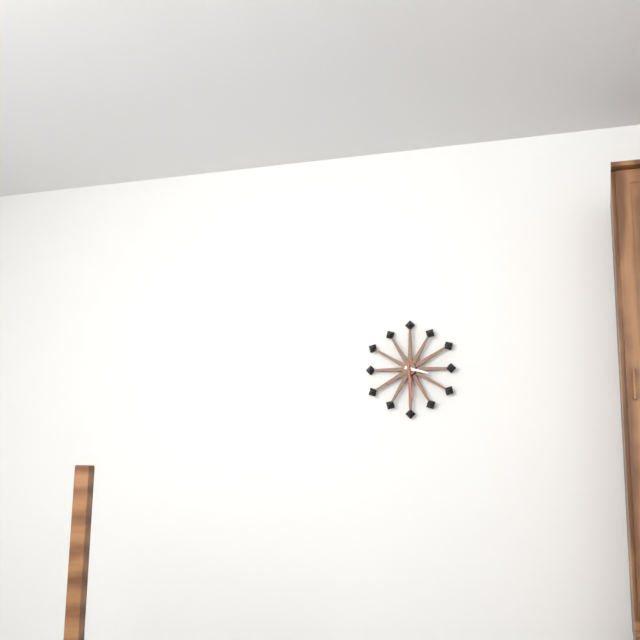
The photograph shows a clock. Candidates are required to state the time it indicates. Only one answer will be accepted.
3:29
